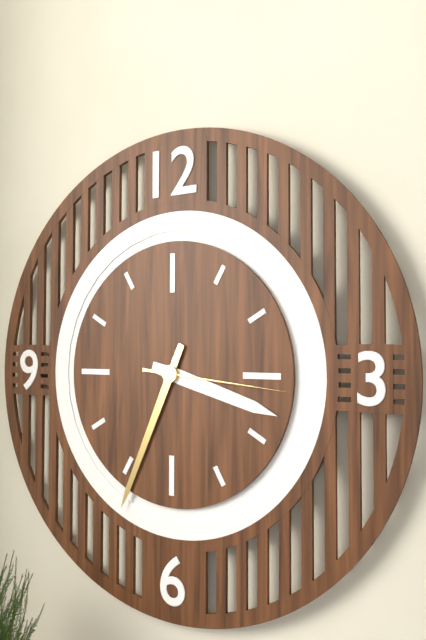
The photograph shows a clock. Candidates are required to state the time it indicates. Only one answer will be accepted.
3:34:16
